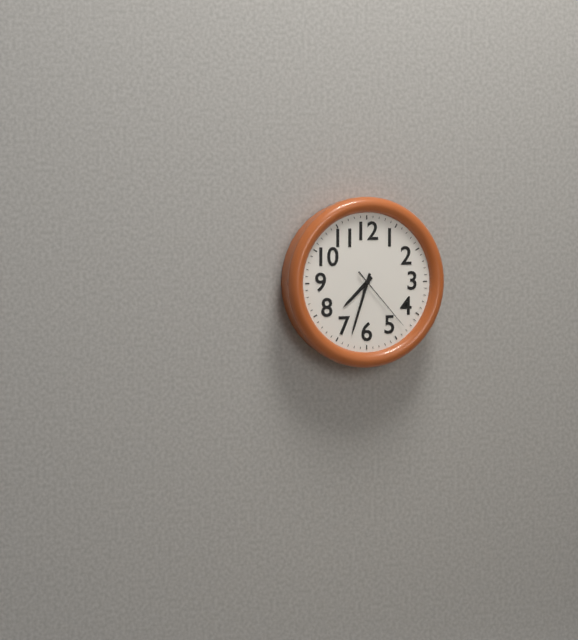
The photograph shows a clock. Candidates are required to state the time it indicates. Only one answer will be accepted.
7:33:23
